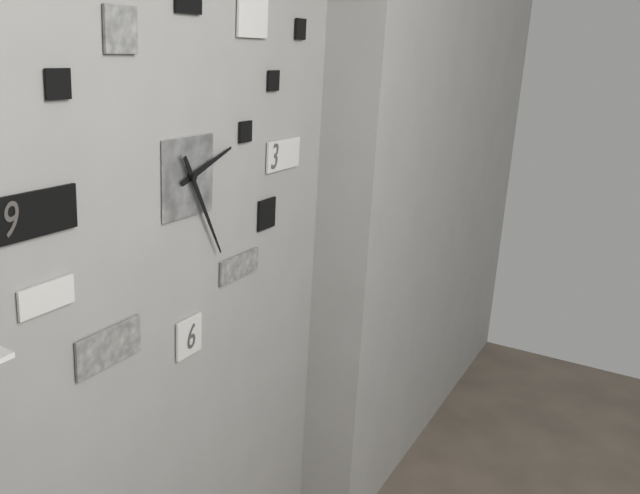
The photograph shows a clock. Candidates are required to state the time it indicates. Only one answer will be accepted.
2:25
